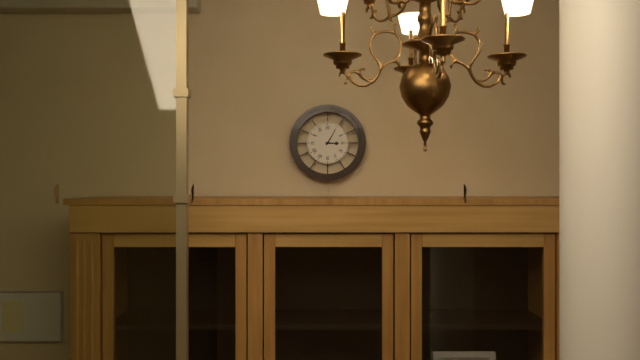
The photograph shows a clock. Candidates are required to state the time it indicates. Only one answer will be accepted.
3:05
